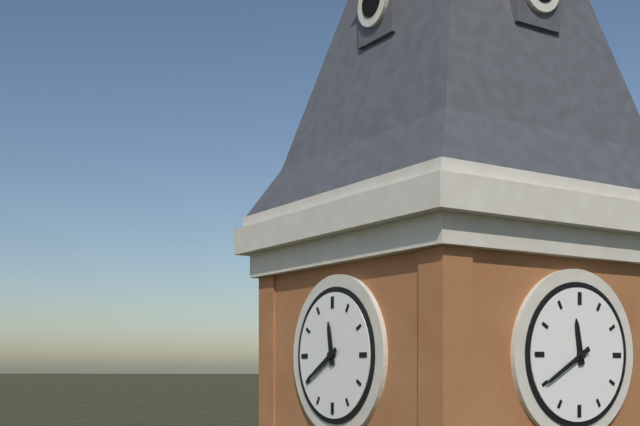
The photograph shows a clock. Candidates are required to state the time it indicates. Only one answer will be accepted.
11:40
